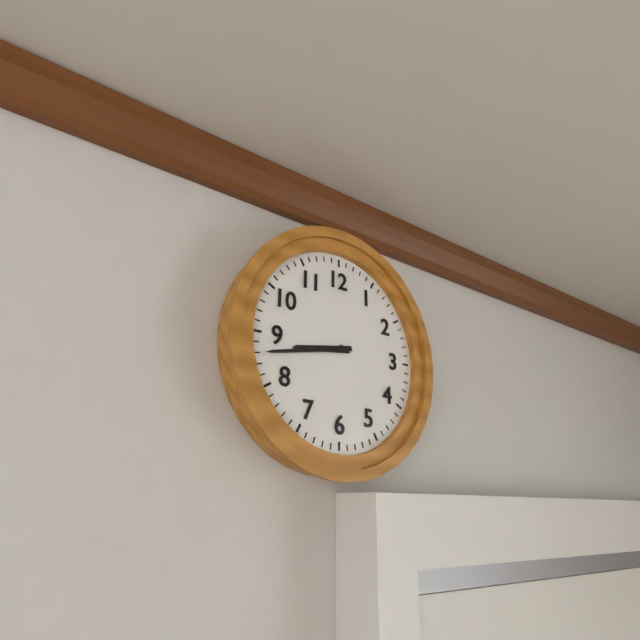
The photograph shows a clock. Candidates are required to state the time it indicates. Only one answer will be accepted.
8:43
